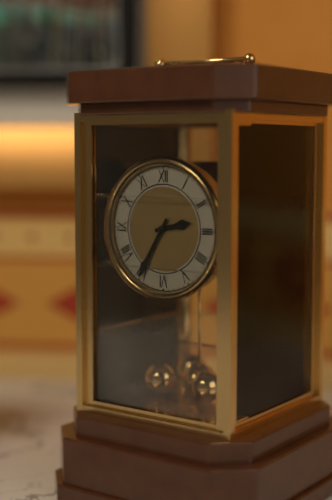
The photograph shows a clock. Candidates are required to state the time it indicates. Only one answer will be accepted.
2:35
